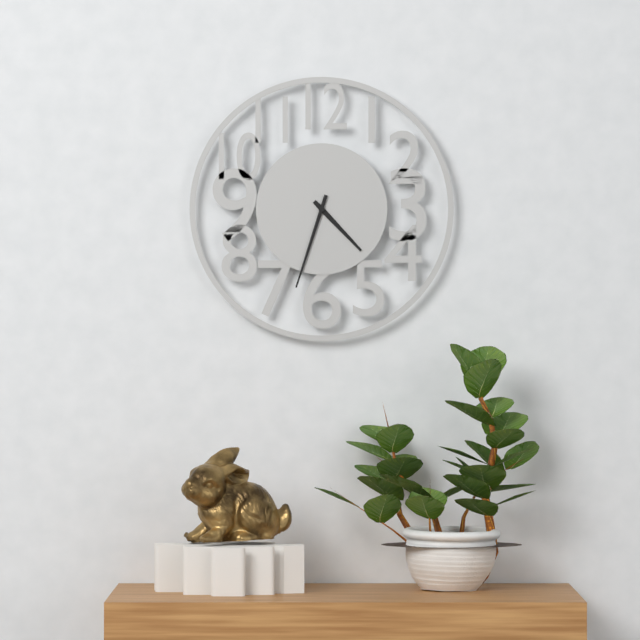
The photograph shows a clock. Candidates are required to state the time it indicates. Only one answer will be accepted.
4:33
